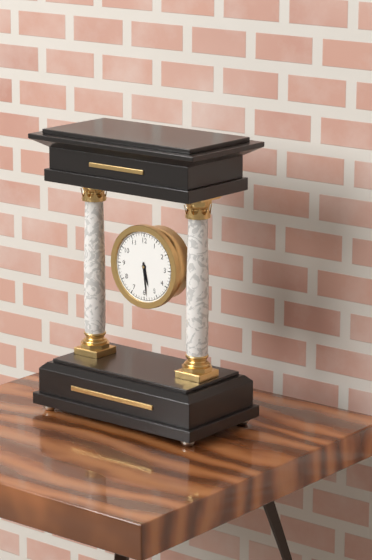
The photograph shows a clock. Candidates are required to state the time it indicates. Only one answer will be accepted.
5:29
